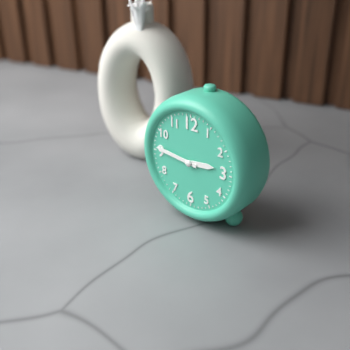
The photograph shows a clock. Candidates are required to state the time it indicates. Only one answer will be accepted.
2:46
